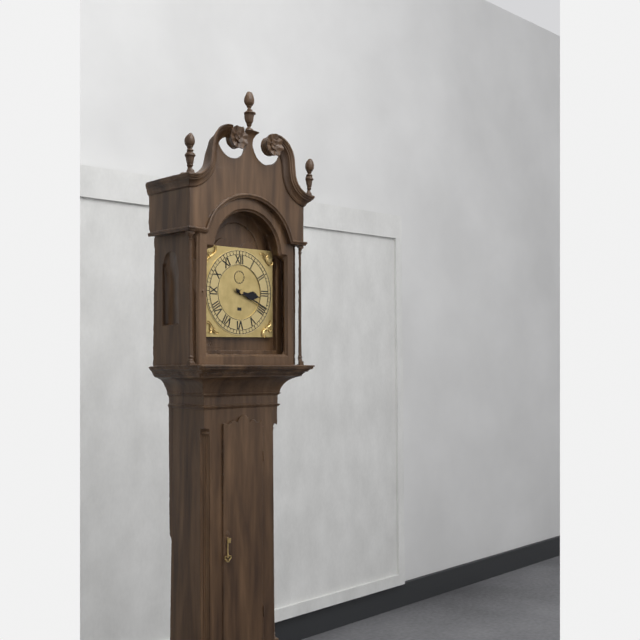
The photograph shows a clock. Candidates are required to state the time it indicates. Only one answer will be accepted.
3:19
